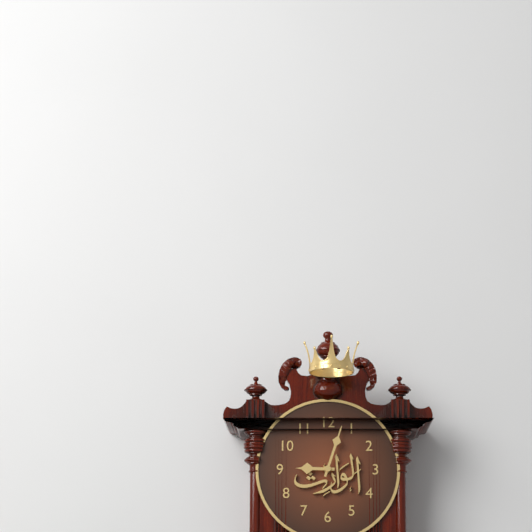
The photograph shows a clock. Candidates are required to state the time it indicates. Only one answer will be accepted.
9:03
